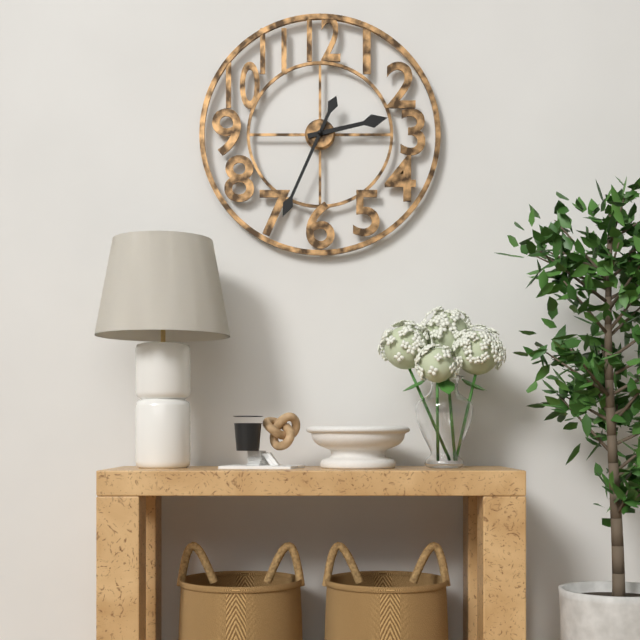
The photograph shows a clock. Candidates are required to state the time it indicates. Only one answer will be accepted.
2:34
